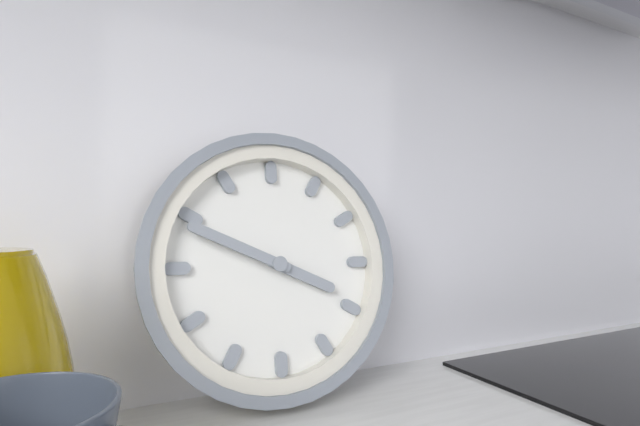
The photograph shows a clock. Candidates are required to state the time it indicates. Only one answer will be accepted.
3:49
